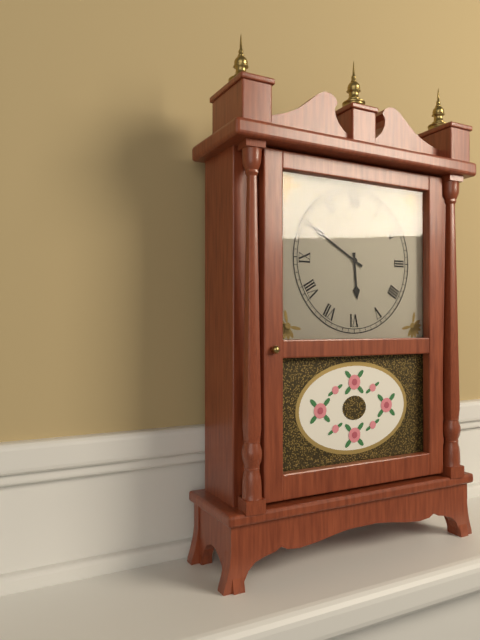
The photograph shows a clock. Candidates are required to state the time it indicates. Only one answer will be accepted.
5:50
